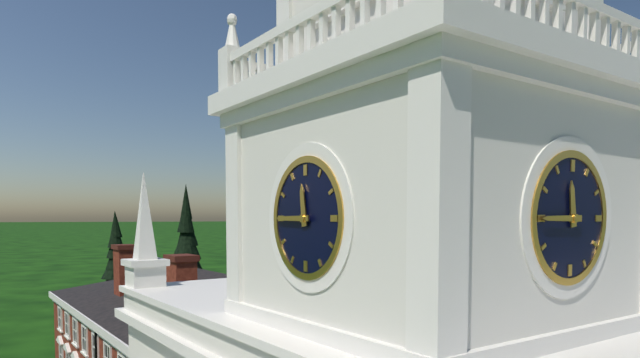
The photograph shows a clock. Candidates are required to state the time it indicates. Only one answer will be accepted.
11:45
